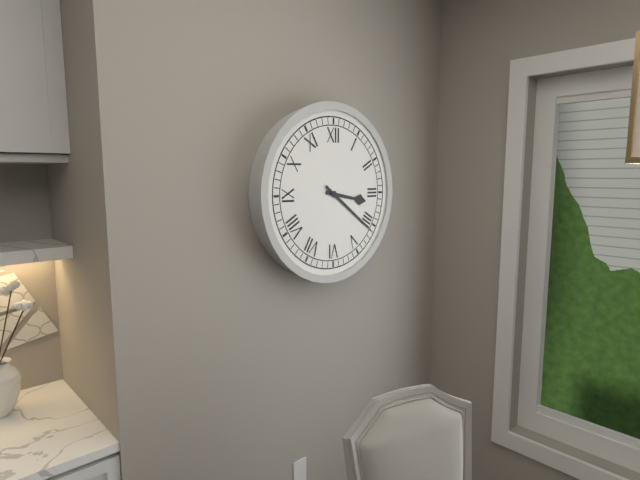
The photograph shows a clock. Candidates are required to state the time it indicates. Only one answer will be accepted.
3:21
